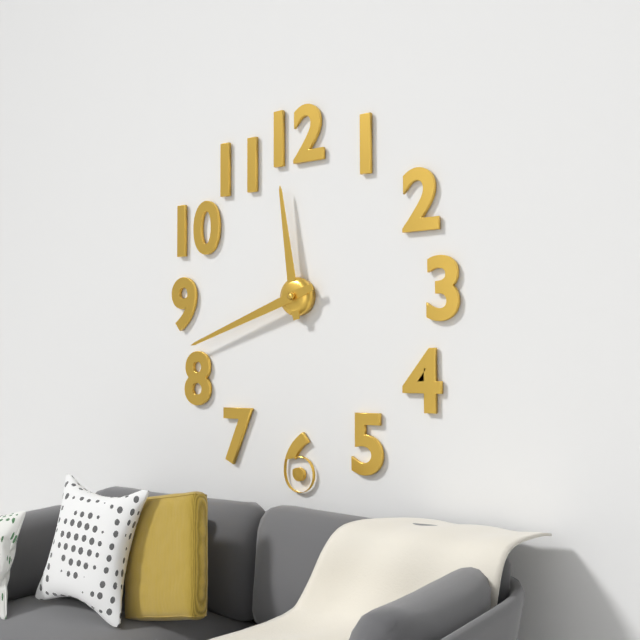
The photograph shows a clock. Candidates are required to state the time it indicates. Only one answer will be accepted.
11:42
